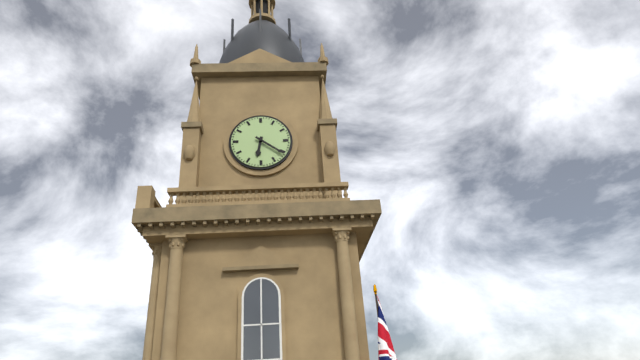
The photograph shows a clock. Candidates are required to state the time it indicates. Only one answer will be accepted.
6:21
